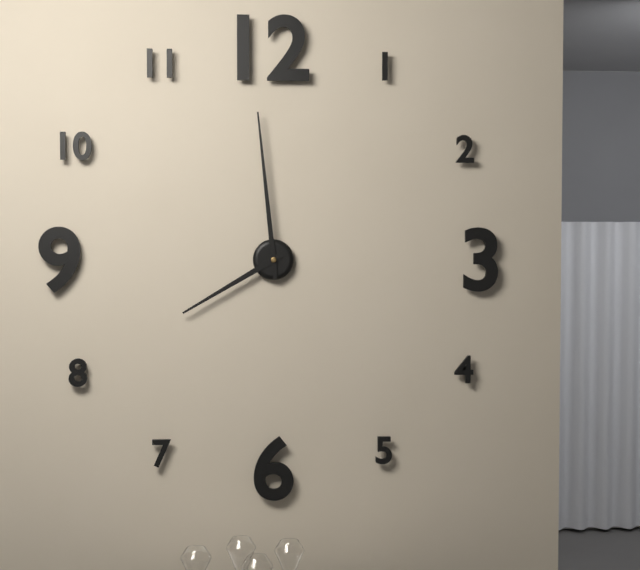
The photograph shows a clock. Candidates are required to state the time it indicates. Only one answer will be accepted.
7:59
